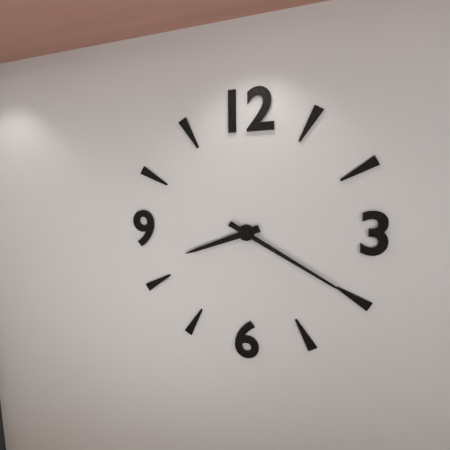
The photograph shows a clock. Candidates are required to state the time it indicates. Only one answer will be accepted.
8:20
